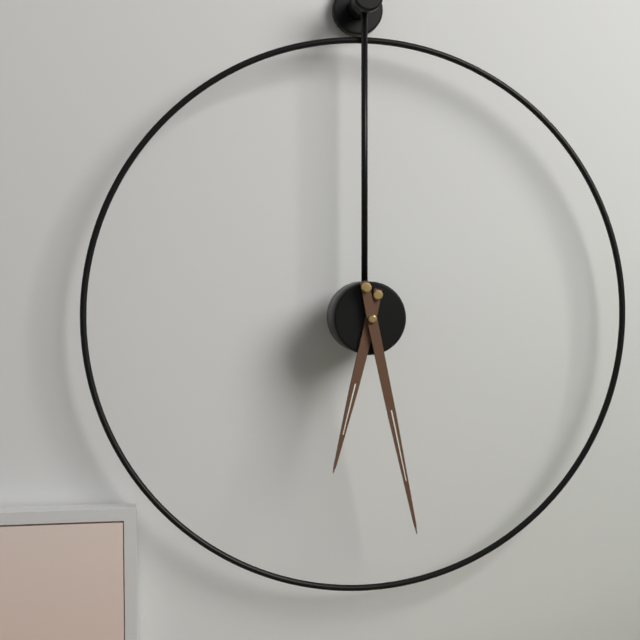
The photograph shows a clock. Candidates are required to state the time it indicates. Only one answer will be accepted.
6:28
